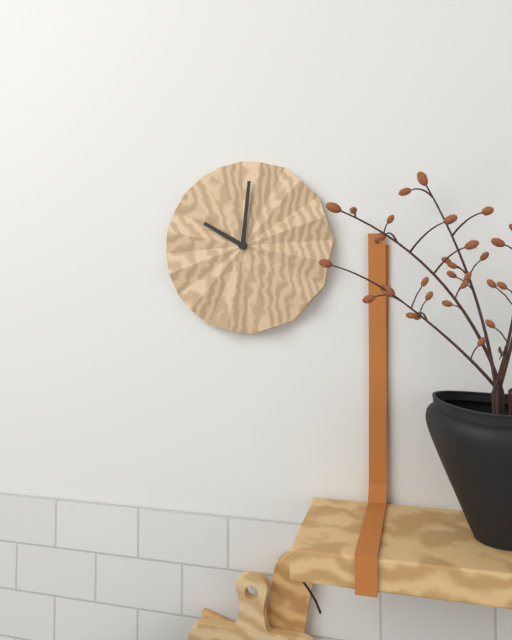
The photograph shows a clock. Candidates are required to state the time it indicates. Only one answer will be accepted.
10:01
